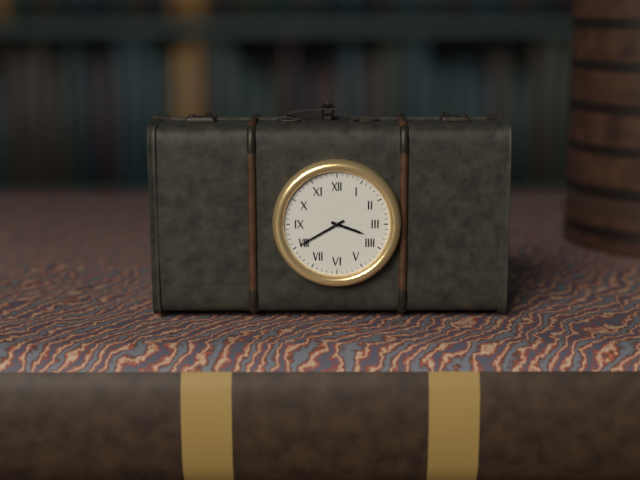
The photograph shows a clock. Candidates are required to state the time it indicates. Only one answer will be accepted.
3:40
